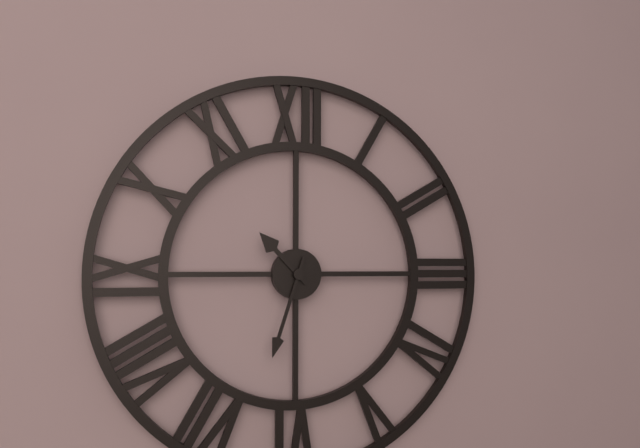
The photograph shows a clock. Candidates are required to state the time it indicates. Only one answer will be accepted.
10:33
